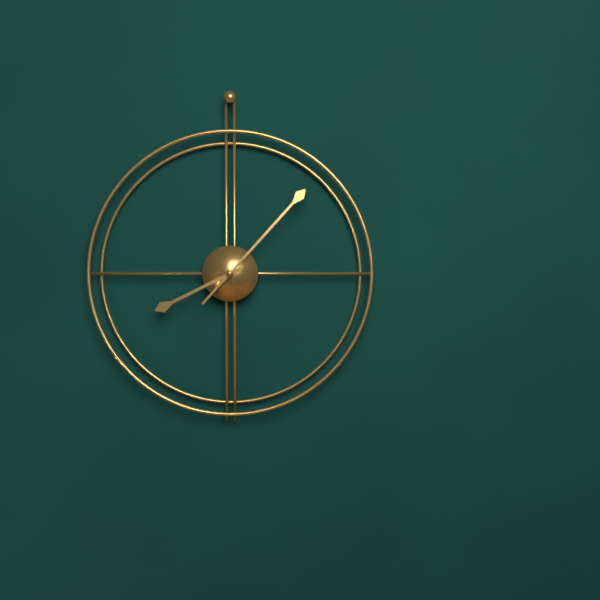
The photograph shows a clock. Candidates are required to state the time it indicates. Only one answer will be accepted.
8:07
